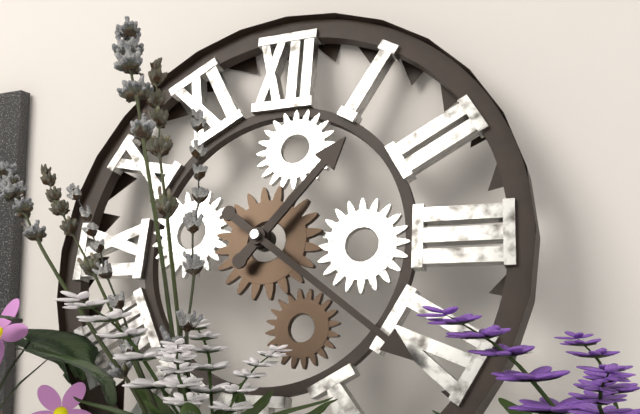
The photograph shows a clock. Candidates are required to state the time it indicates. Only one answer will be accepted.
1:21
